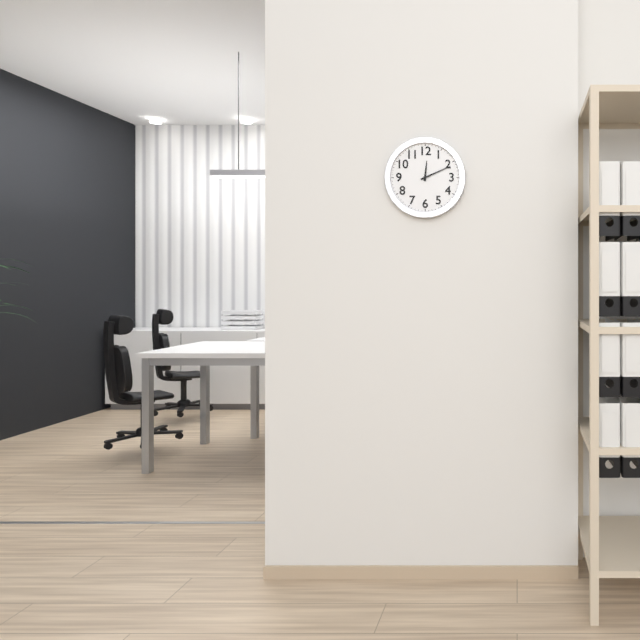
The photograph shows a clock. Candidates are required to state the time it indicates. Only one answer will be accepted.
12:11
